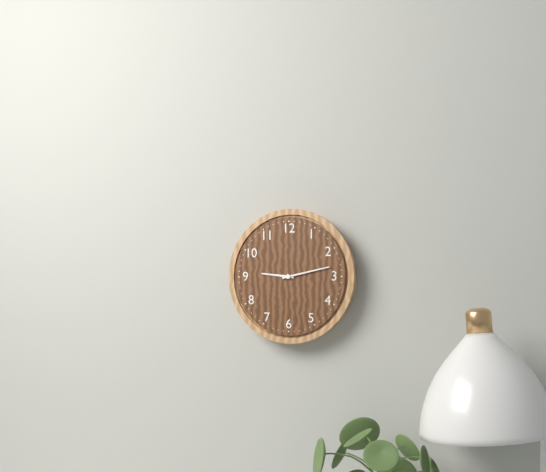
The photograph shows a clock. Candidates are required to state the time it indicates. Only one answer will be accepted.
9:13
